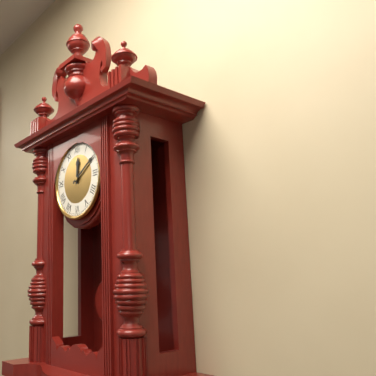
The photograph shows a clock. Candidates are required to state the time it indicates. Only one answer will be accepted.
12:10
